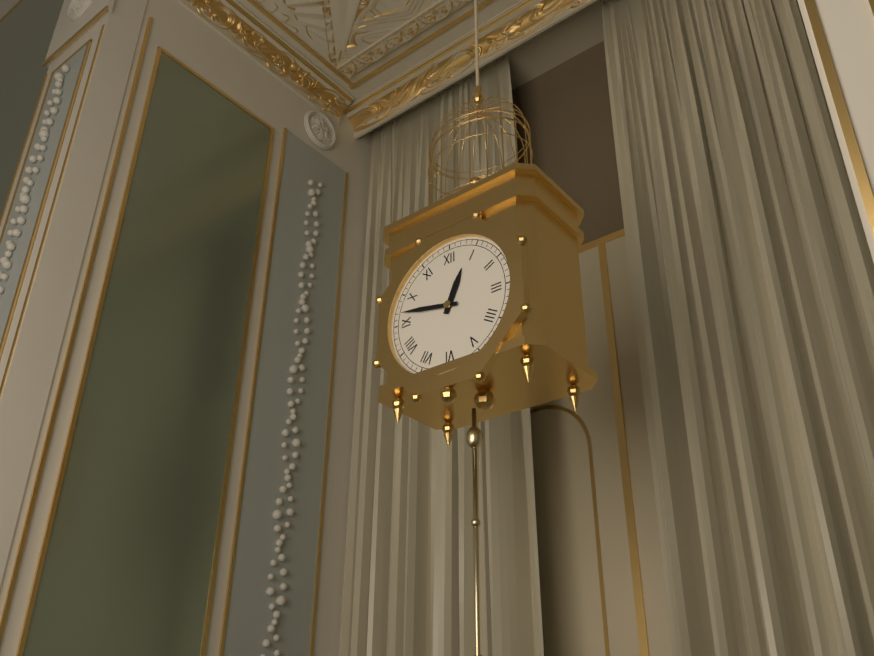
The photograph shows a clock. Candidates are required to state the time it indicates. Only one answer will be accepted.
12:47
